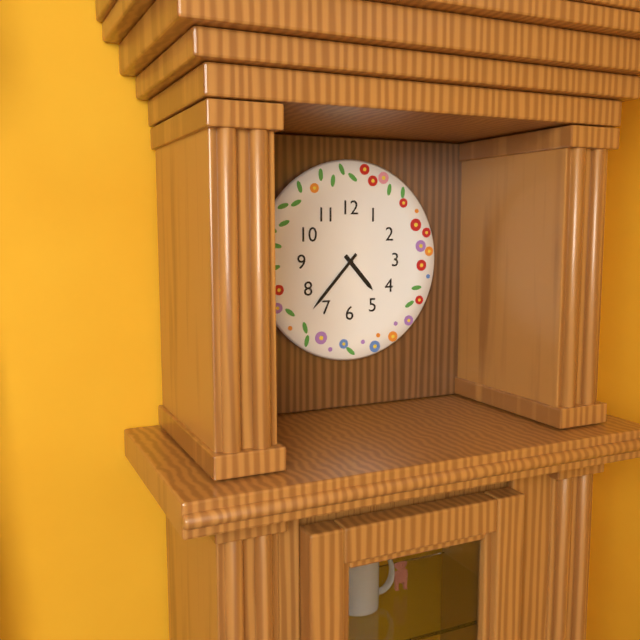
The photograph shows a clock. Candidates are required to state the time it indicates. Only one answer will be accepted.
4:37
